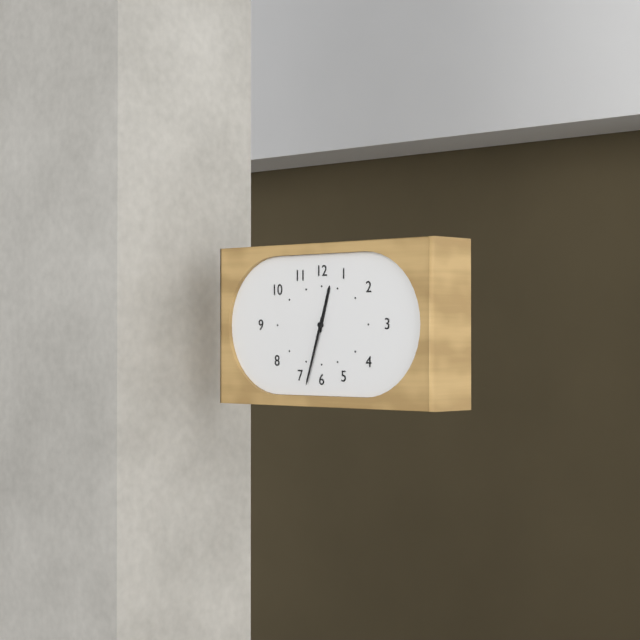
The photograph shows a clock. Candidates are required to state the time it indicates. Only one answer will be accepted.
12:33
